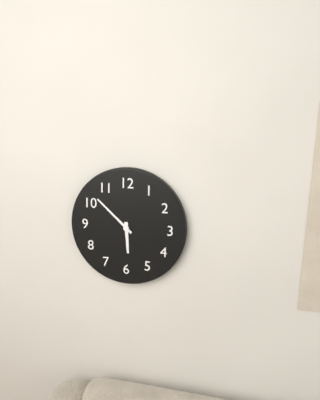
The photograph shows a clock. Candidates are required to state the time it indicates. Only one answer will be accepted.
5:52
